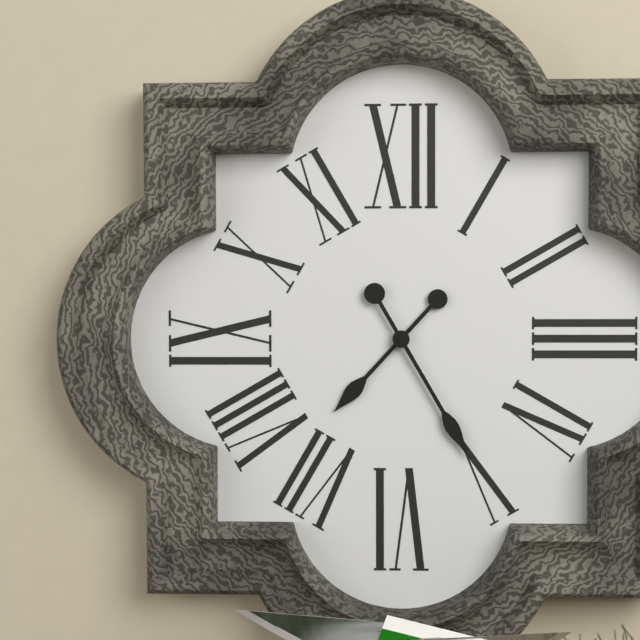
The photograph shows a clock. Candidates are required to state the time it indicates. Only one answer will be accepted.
7:25
